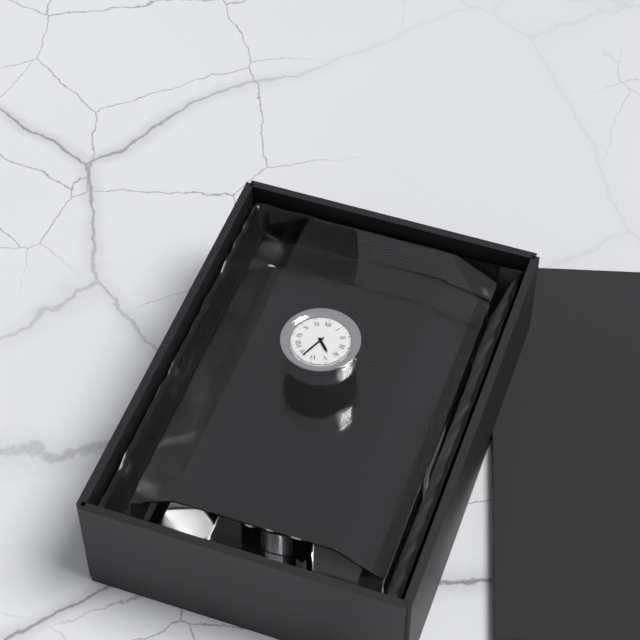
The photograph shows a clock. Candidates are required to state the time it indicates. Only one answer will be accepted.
4:34
